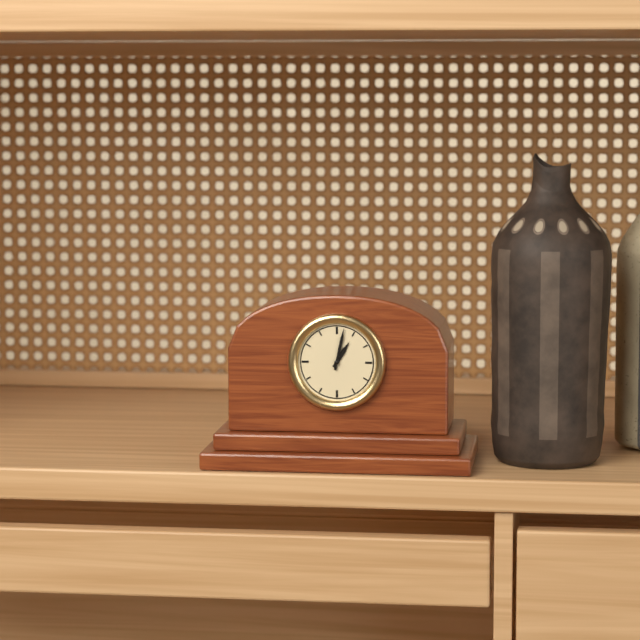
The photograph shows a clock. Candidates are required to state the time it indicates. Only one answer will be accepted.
1:02
